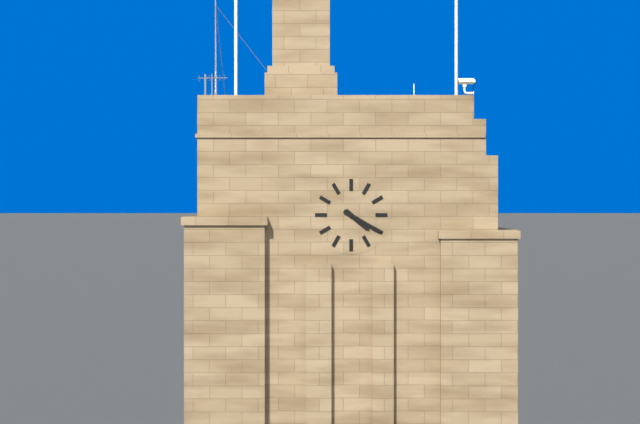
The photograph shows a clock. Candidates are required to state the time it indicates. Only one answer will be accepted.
4:20
